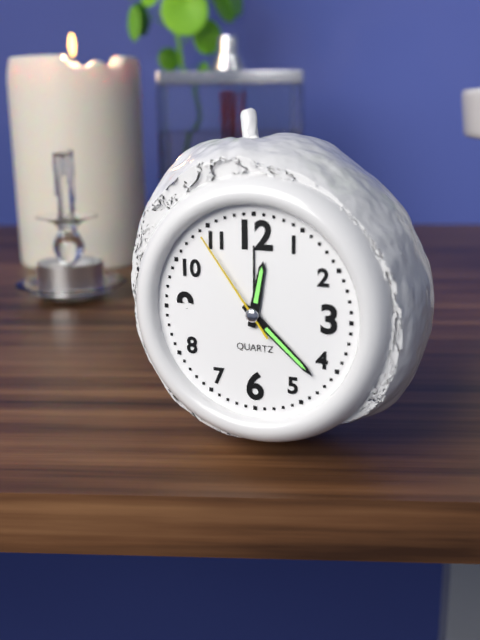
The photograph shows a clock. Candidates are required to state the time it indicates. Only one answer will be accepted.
12:22:54
